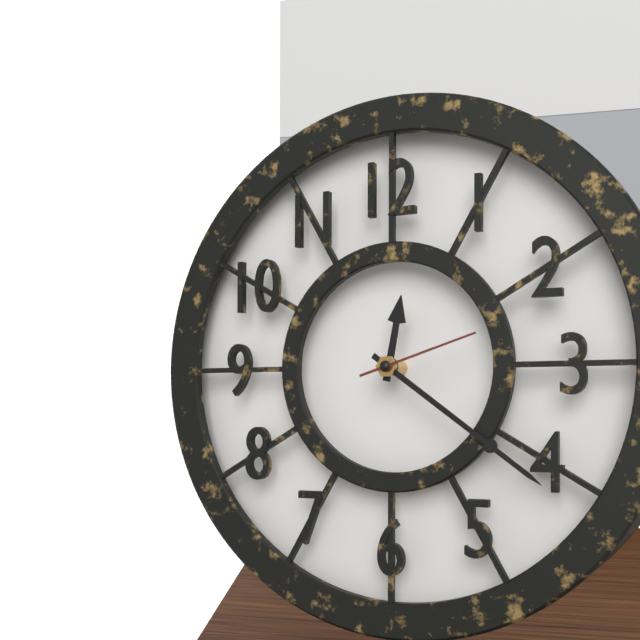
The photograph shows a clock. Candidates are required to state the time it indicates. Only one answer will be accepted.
12:21:12
